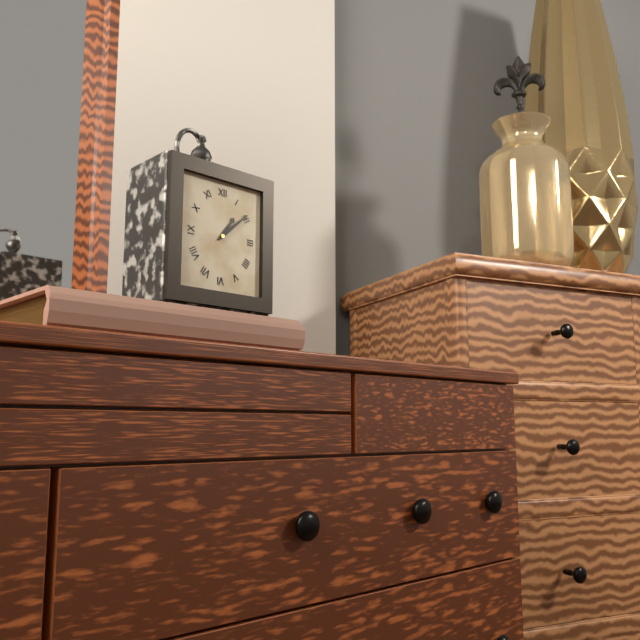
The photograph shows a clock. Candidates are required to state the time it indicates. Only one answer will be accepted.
1:08
